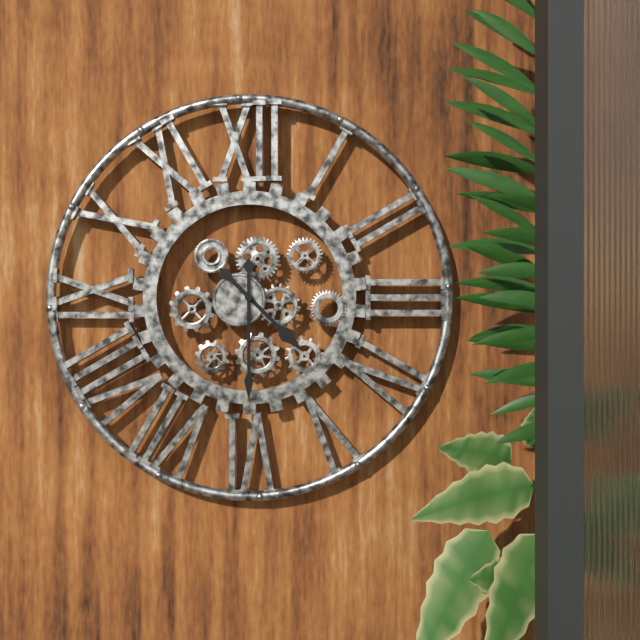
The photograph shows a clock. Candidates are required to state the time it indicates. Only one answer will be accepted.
4:30
